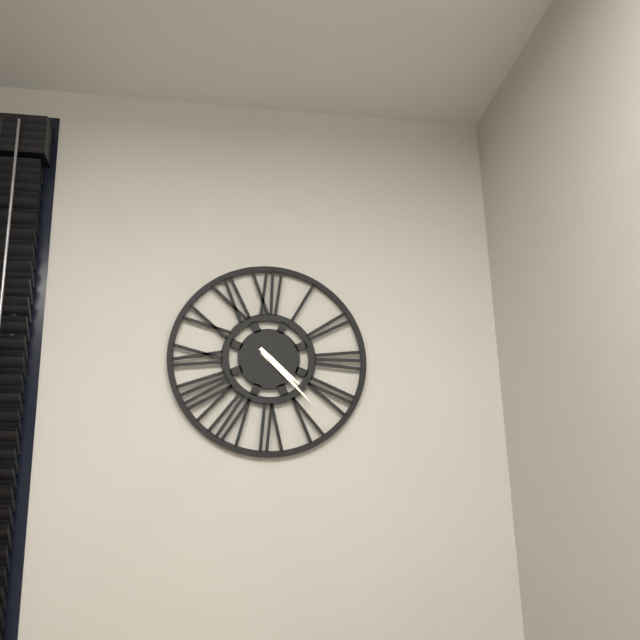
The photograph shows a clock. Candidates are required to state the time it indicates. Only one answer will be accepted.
4:23
